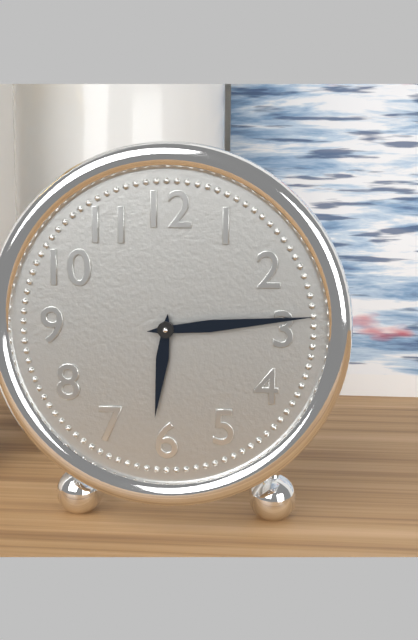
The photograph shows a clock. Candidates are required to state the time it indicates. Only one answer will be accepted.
6:14
